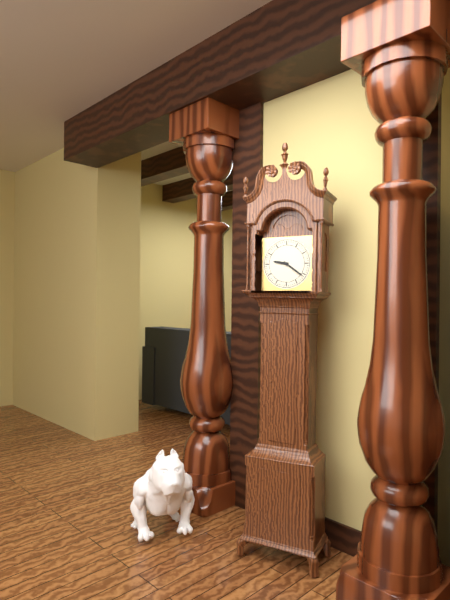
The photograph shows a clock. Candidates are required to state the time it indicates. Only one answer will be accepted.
9:21
